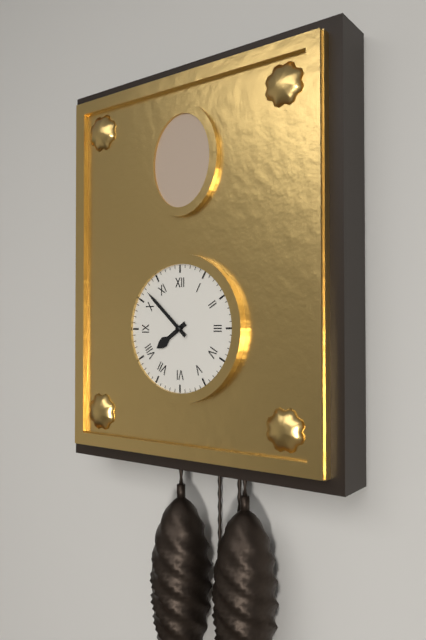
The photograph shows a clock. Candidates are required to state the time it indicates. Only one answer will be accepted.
7:52
